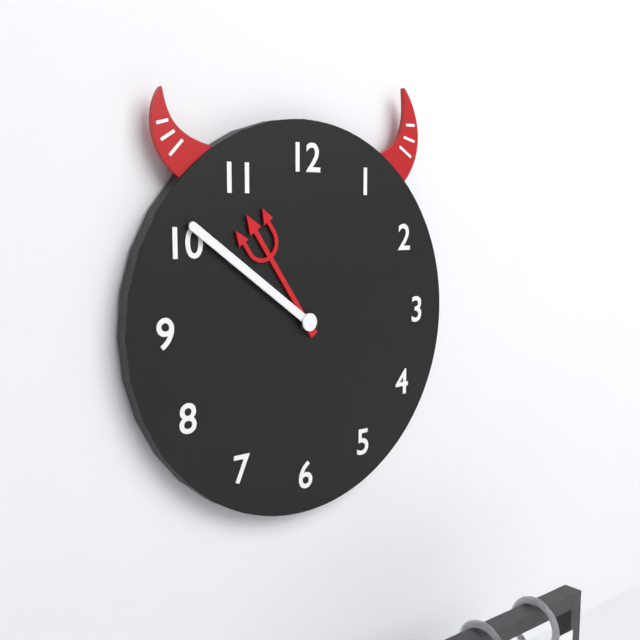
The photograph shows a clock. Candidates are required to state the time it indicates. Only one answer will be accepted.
10:51
